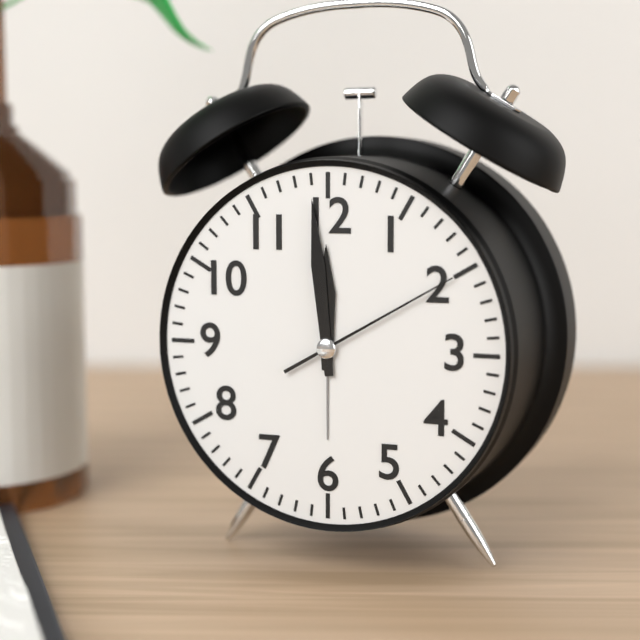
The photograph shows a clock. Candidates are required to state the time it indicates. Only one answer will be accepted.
11:59:10
